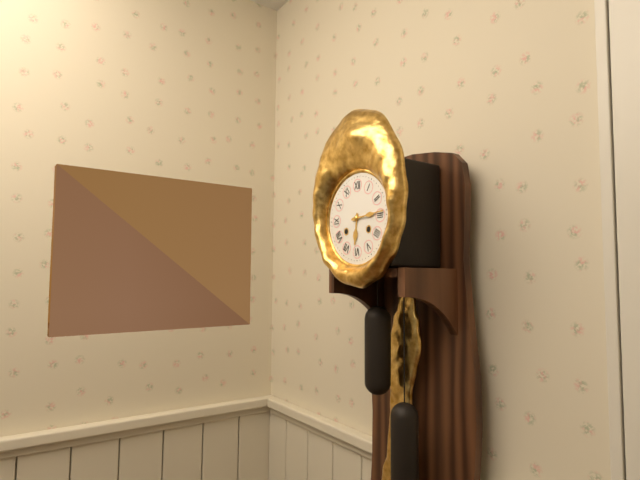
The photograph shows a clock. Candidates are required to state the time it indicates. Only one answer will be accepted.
6:14
